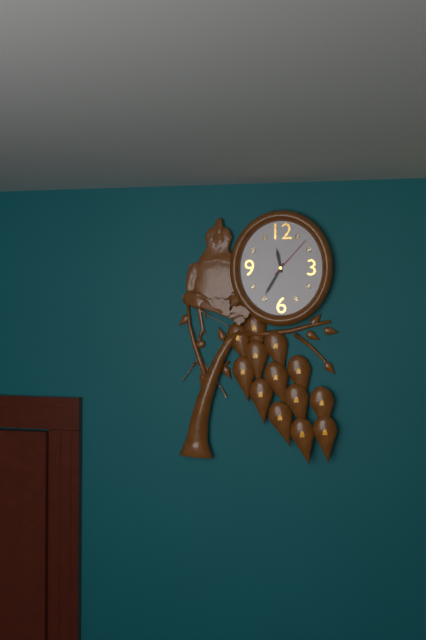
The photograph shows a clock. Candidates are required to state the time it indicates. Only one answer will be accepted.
11:35
